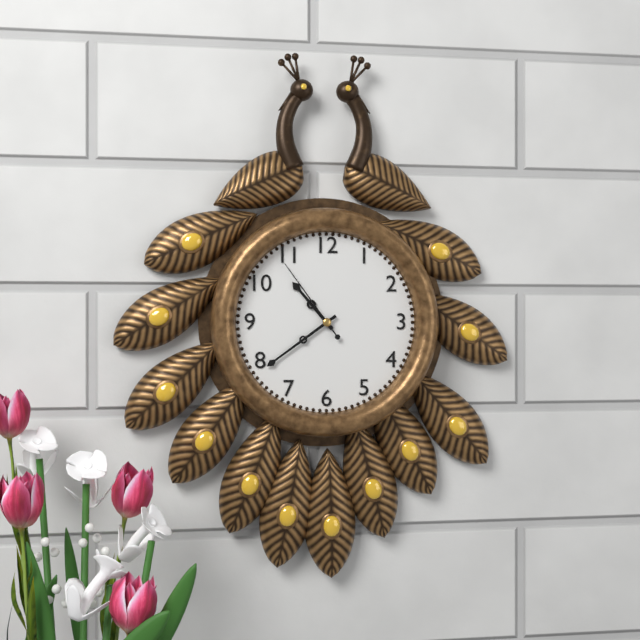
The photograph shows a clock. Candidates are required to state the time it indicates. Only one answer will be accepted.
10:39:54
